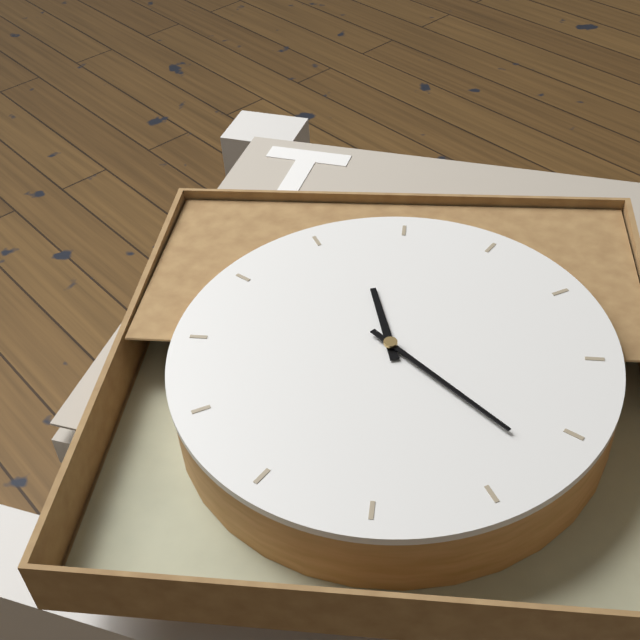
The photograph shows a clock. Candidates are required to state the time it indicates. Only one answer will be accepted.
12:27
